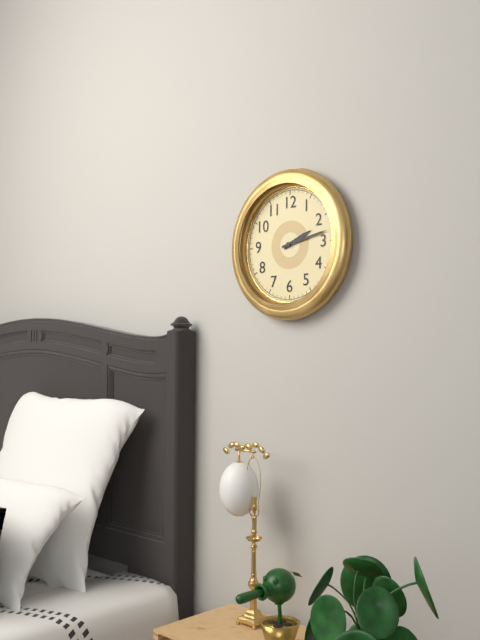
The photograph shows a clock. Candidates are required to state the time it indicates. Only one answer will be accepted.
2:13
